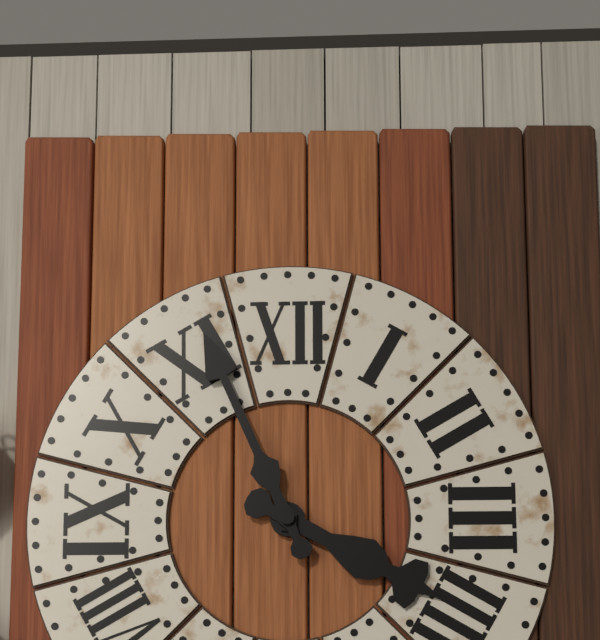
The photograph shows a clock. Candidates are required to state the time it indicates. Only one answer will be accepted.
3:56
